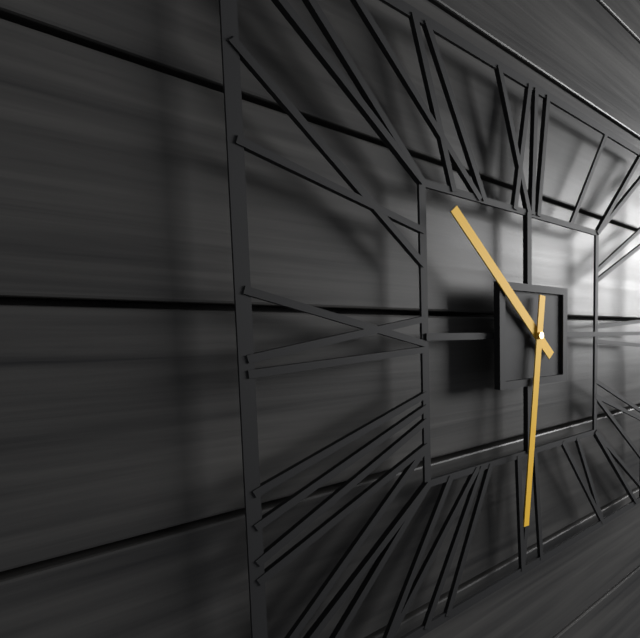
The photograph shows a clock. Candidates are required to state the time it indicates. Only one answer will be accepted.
10:31
